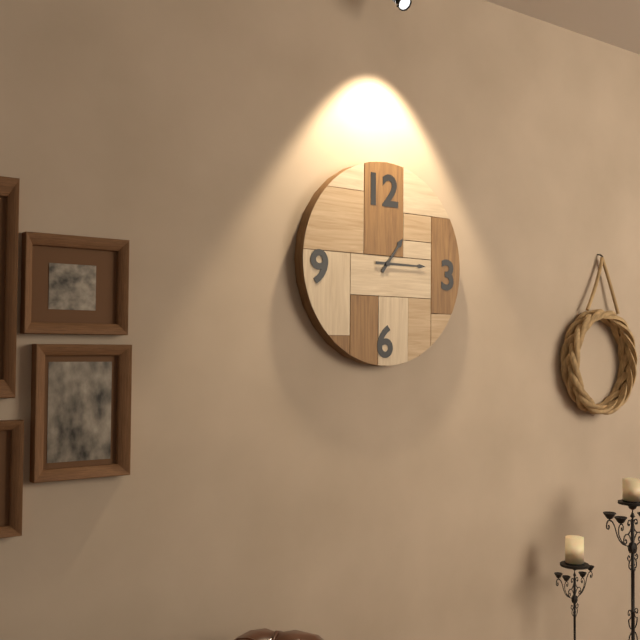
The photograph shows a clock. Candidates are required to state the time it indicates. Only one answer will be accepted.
1:15
